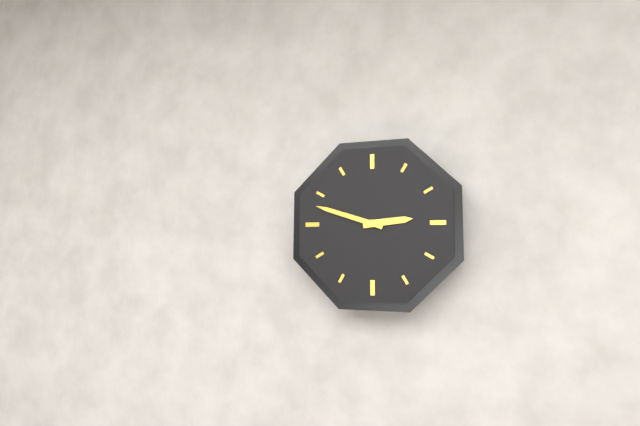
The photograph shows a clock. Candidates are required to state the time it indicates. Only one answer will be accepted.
2:48
